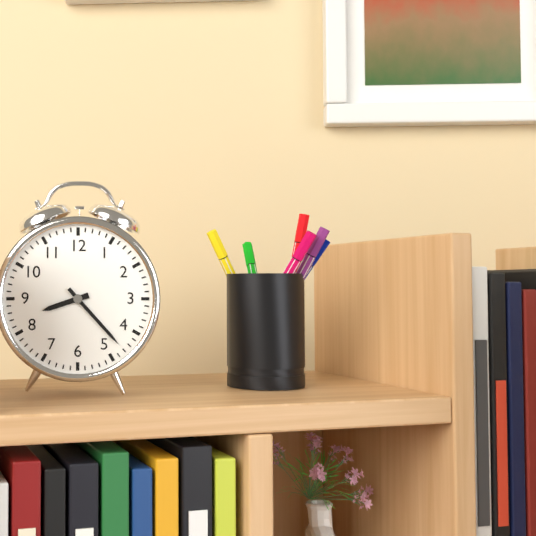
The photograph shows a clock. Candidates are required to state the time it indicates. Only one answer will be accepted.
8:23
